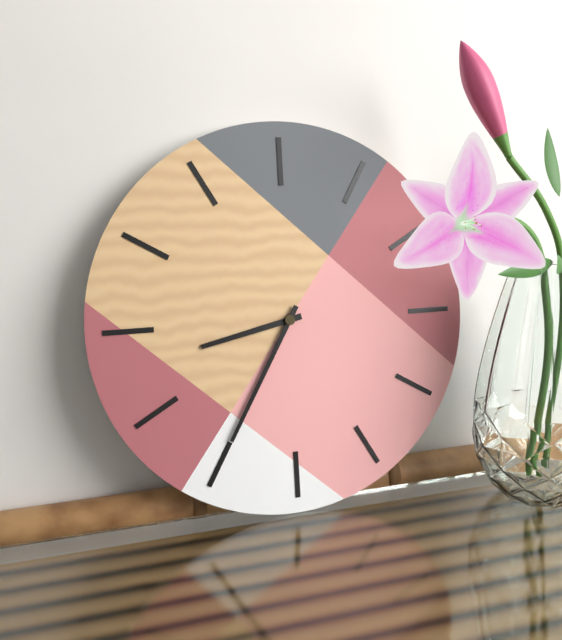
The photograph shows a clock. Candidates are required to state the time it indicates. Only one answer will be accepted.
8:35
